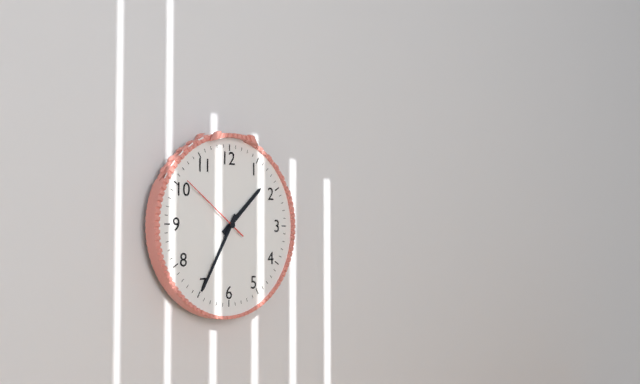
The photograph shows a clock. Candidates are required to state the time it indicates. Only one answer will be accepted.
1:35:51
